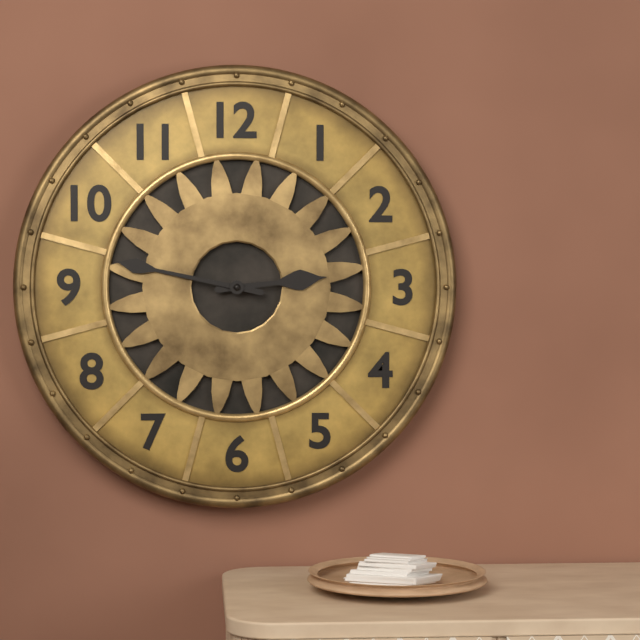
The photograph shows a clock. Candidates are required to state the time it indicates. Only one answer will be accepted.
2:47
